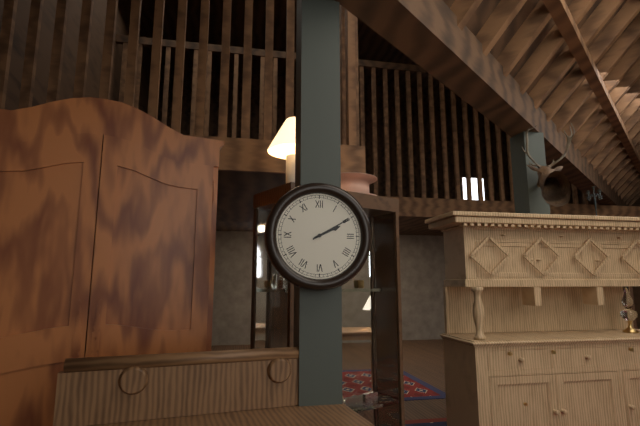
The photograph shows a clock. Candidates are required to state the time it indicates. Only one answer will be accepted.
2:10
